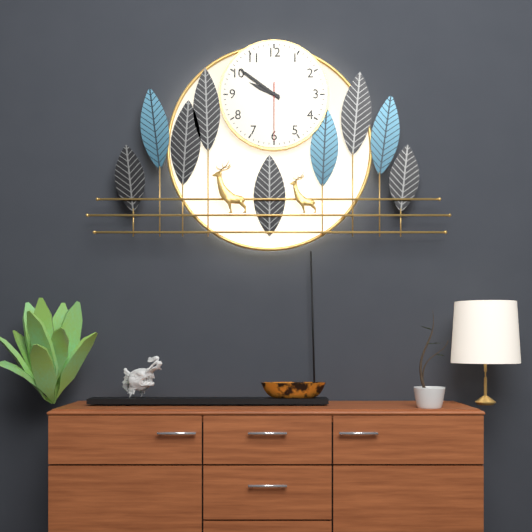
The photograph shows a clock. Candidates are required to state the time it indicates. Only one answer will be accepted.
9:51:30
